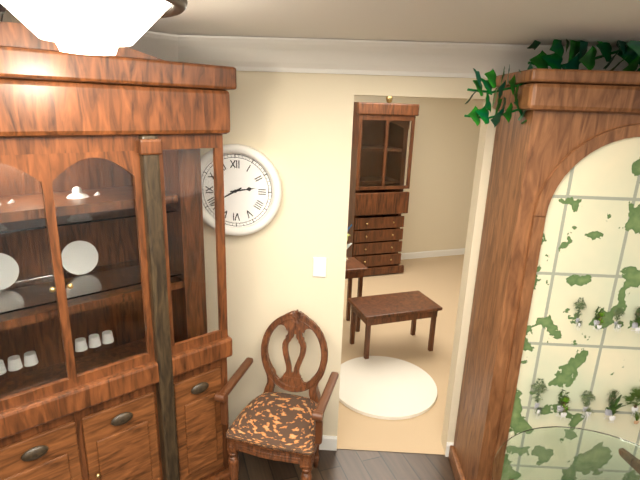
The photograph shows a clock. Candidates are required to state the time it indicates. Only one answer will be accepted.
2:40
